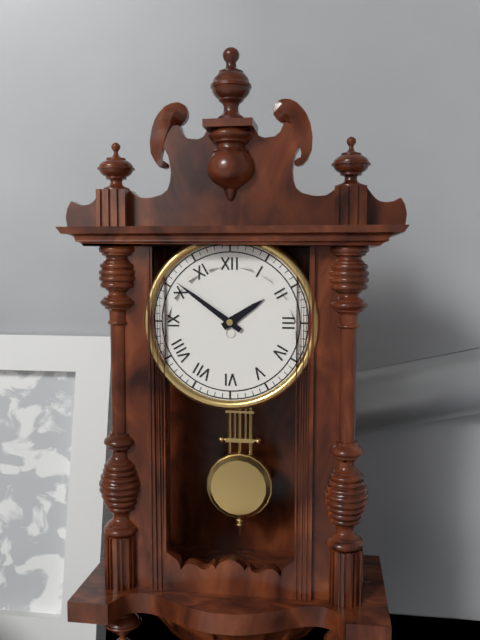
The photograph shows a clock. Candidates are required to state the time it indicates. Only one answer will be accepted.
1:51
